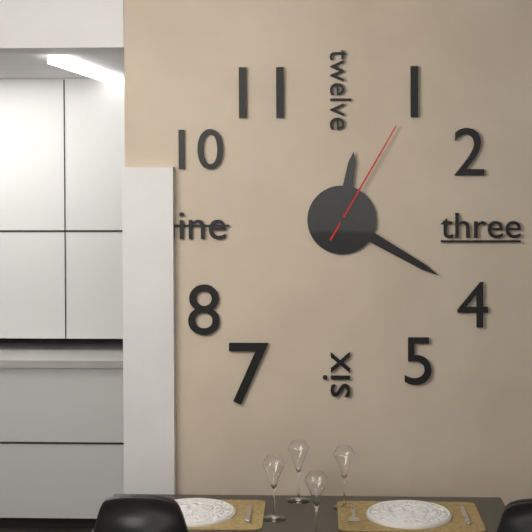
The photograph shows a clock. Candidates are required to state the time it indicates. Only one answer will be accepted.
12:20:05
